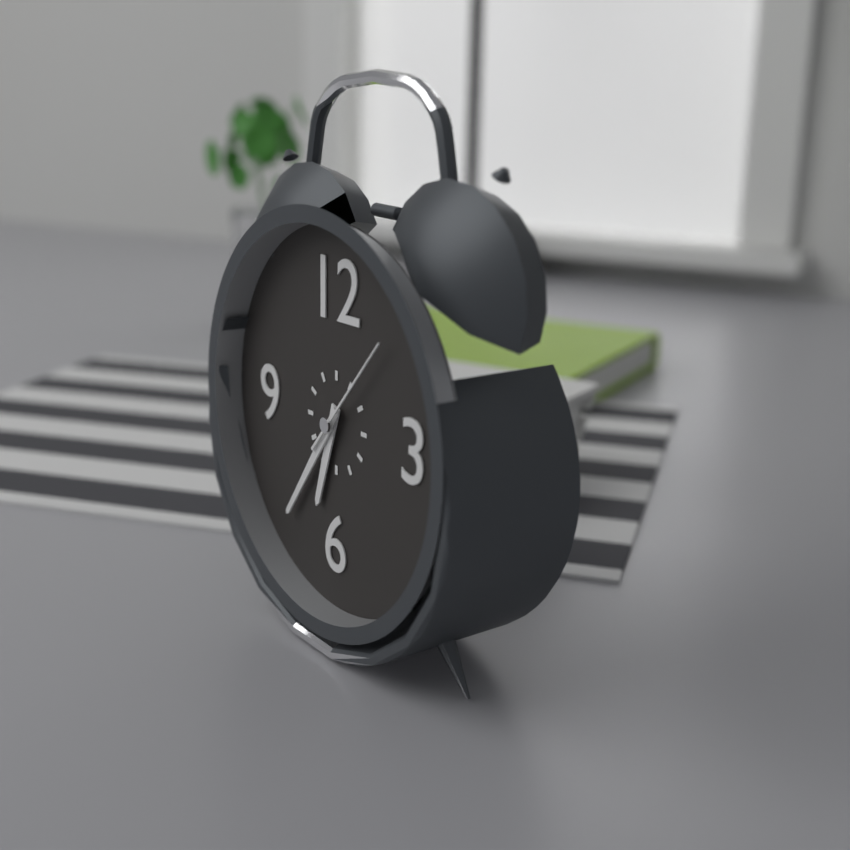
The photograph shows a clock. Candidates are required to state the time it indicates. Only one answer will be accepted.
6:36:07
